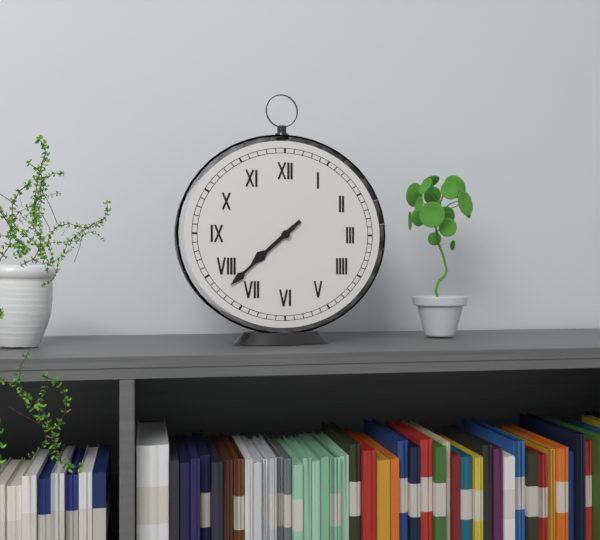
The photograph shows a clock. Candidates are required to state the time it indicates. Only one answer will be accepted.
7:38
